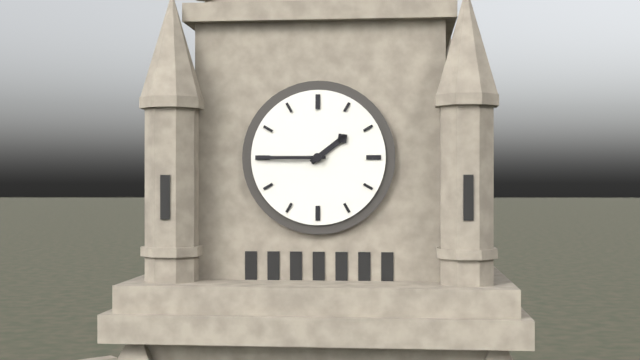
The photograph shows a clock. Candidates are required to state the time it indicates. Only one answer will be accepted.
1:45
